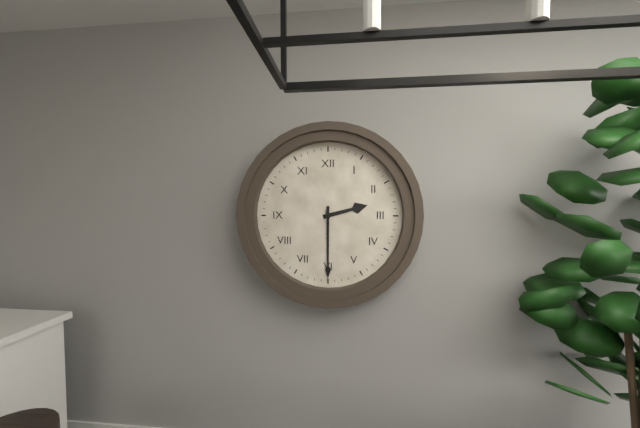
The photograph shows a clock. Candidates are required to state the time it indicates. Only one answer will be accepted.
2:30
